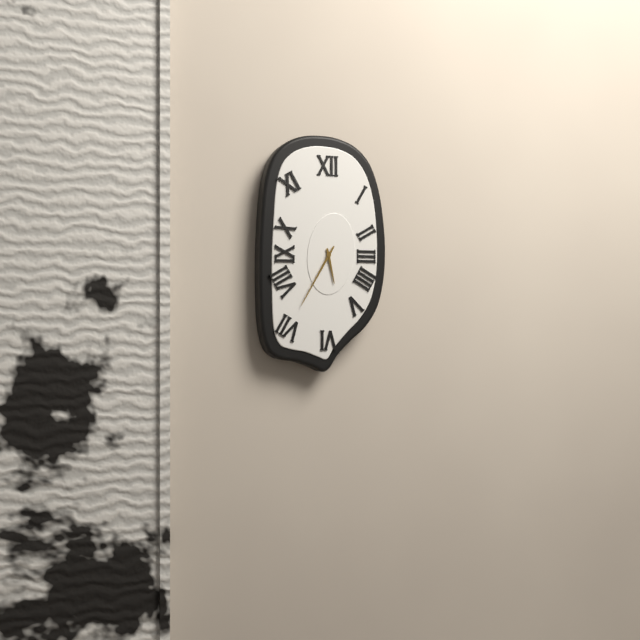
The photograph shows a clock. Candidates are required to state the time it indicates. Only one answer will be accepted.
5:35
